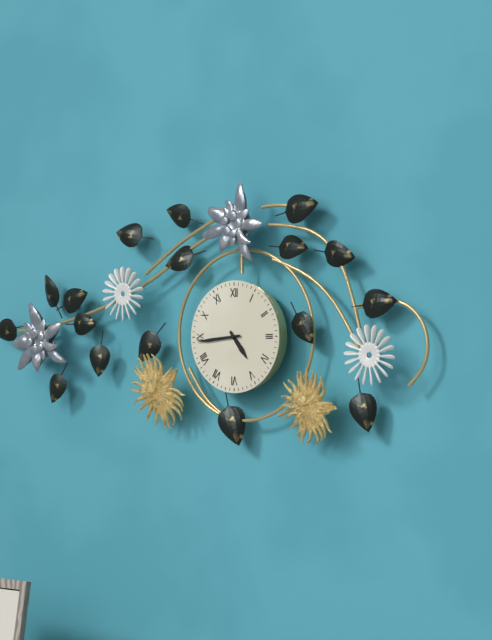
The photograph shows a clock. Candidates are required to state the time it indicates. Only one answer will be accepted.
4:44
